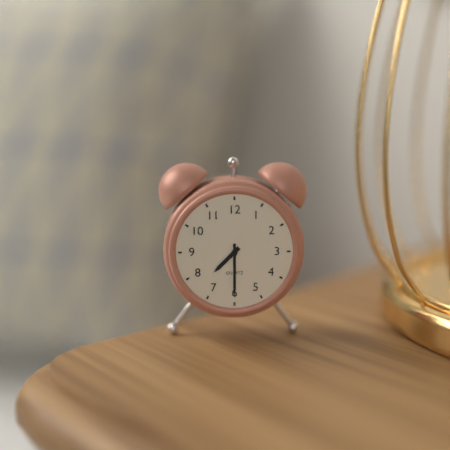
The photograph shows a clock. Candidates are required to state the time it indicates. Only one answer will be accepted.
7:30
